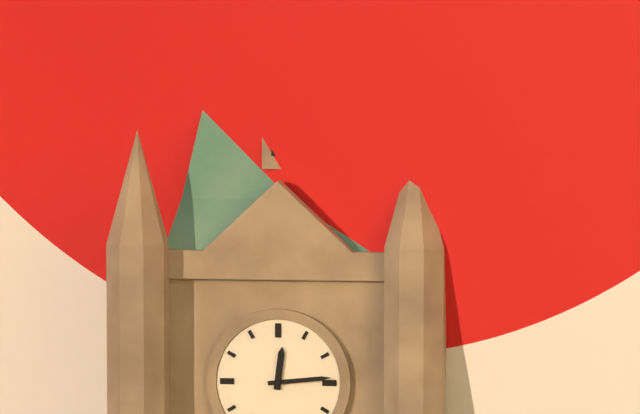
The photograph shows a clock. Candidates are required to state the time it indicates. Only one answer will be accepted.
12:14
